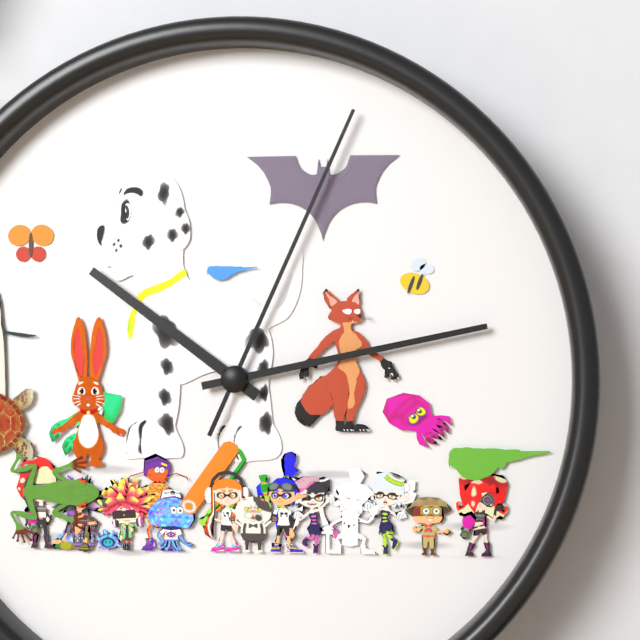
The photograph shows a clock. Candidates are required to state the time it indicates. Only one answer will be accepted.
10:13:04
